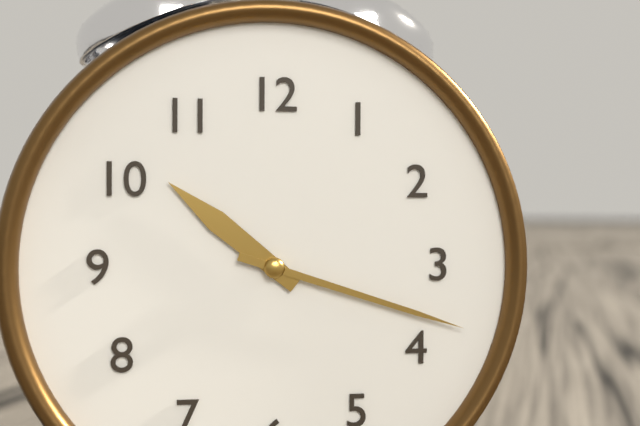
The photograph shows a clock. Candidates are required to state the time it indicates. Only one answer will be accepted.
10:18
